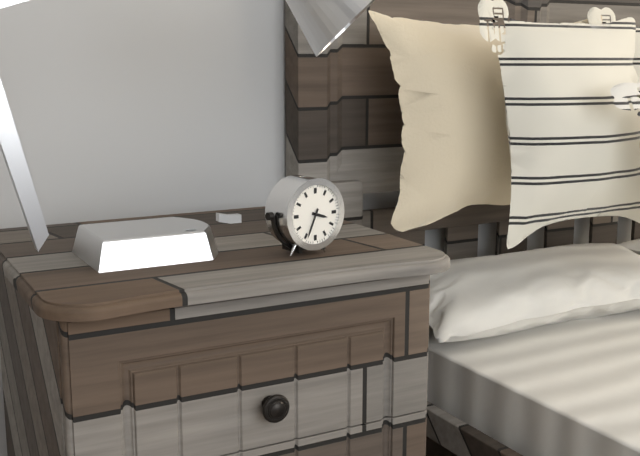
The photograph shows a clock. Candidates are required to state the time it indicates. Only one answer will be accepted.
3:34
